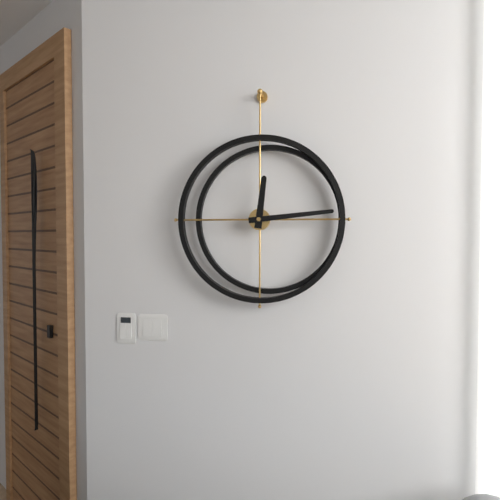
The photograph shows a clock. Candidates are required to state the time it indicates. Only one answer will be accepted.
12:14
